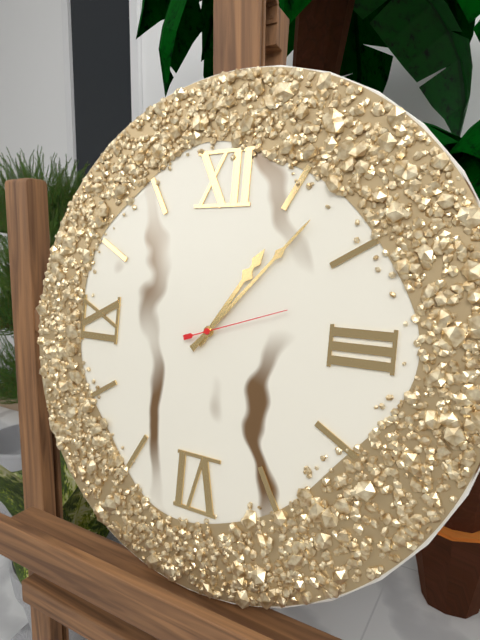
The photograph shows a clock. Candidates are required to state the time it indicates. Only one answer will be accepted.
1:07:12
